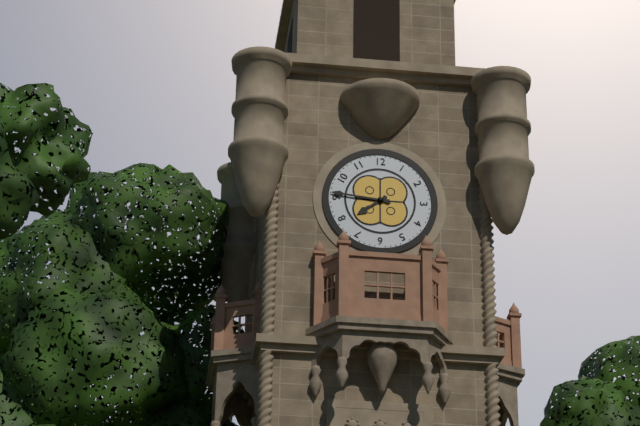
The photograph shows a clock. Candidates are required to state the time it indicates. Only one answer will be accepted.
7:46
